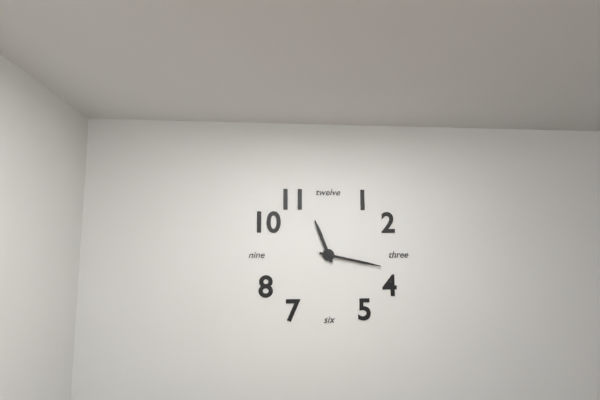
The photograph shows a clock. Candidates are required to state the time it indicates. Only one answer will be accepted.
11:17
